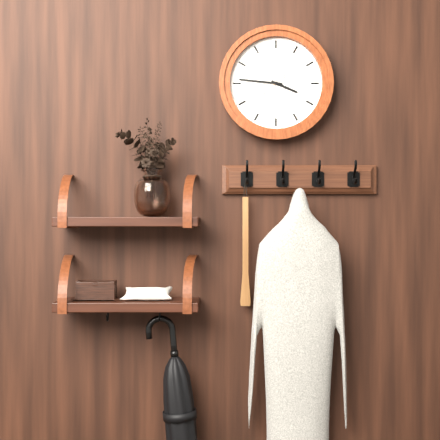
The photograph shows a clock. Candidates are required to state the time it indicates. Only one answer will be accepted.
3:46:38
